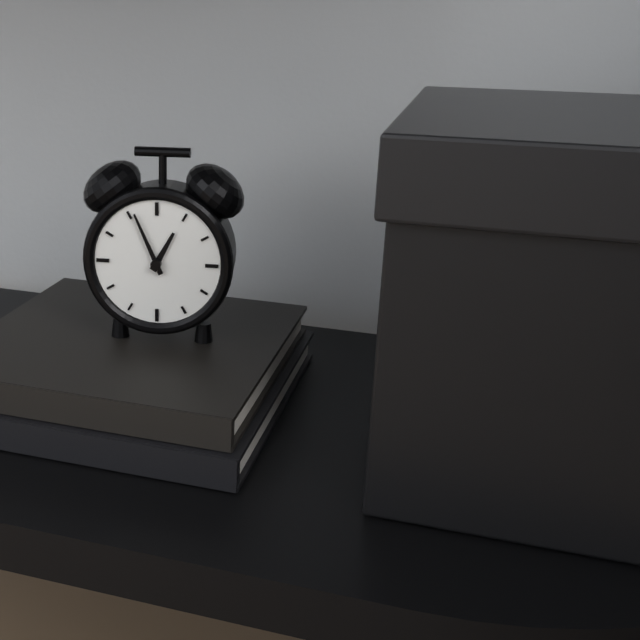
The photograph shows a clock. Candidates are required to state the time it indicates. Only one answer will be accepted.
12:56
